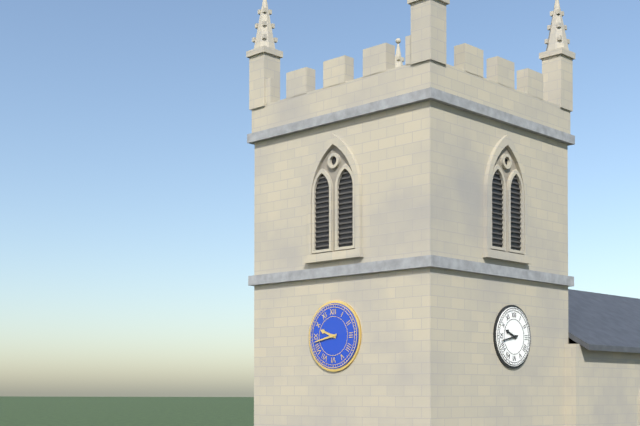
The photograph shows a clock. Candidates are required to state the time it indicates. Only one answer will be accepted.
9:43
